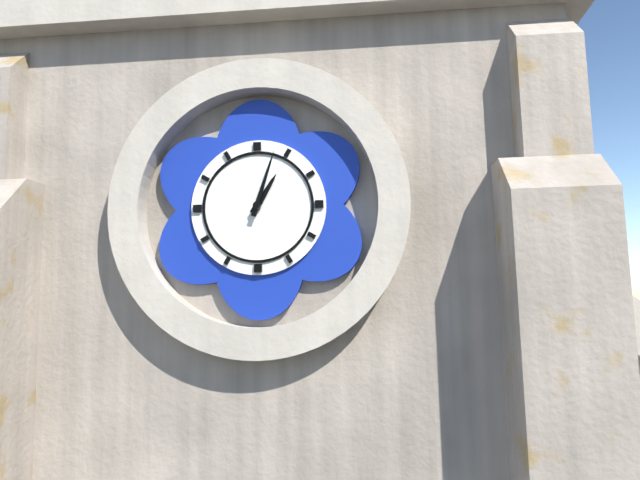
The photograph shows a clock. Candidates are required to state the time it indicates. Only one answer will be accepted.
1:03
